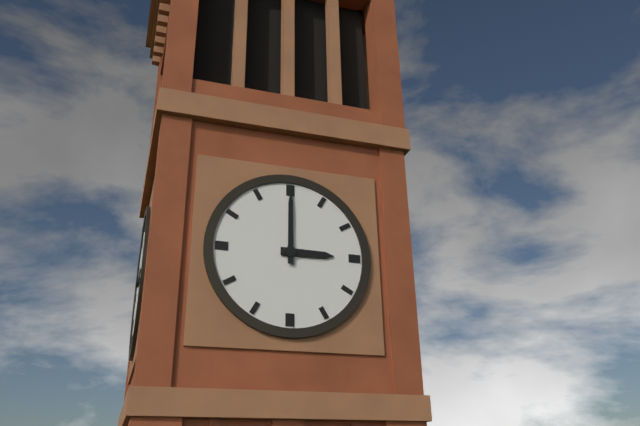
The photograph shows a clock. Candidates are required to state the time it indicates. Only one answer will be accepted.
3:00
